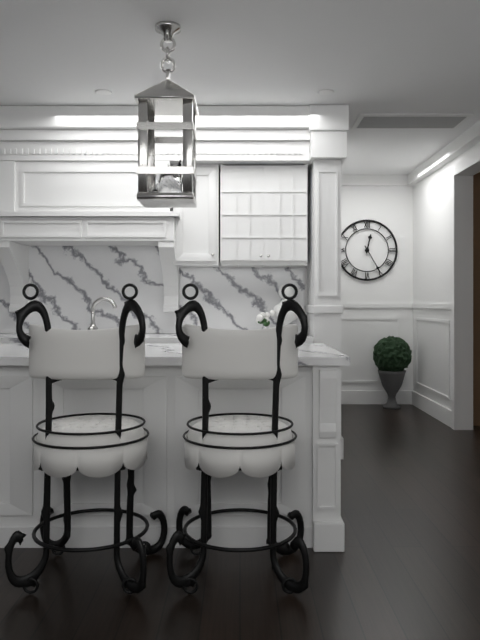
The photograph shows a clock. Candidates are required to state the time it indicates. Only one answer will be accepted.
12:25
